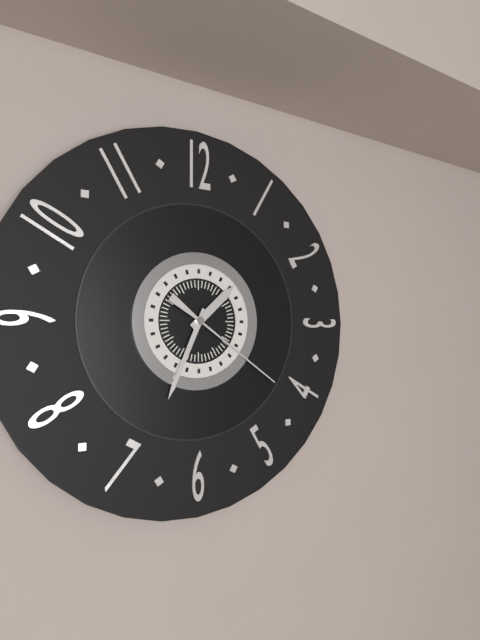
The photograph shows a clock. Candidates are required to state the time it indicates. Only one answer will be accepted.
1:34:21
